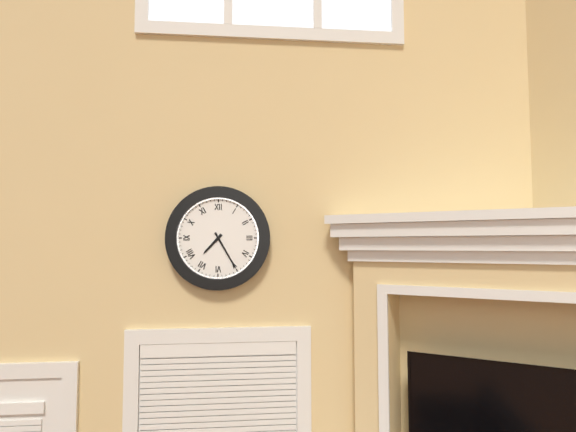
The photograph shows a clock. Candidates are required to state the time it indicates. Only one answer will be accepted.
7:25
